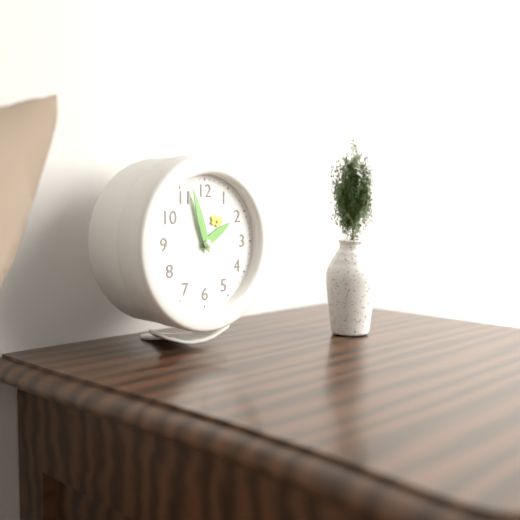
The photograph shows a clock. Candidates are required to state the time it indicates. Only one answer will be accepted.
1:57
